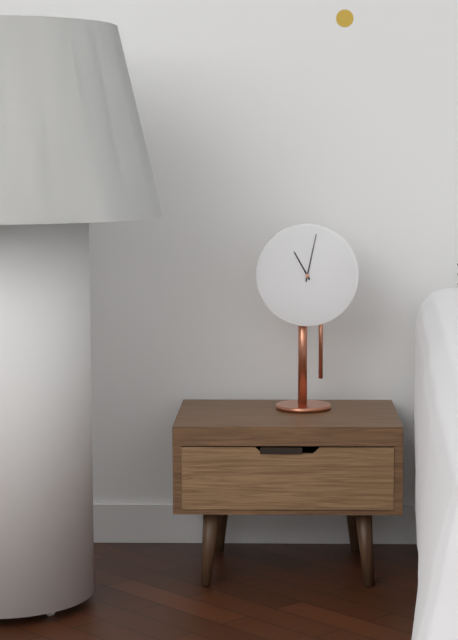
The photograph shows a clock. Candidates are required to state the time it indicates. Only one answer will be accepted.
11:02
